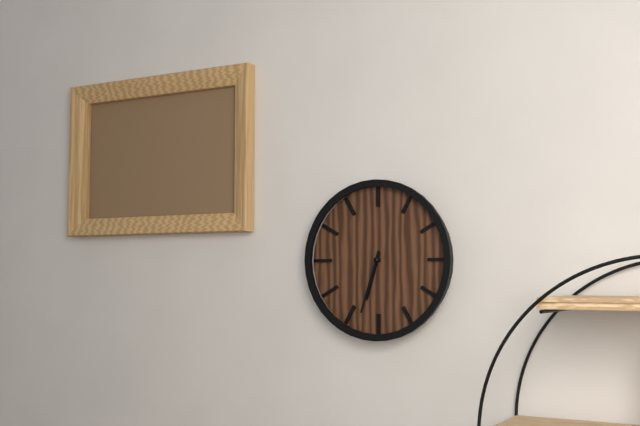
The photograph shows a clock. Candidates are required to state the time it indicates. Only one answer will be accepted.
6:33
